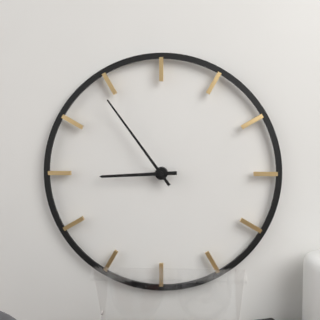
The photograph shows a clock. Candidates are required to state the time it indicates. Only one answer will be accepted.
8:54
